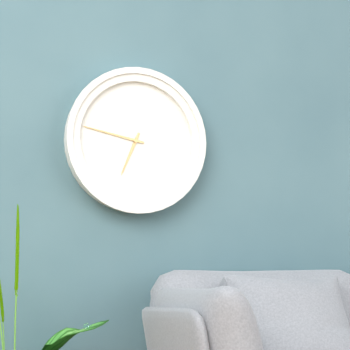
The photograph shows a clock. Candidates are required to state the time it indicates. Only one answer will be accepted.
6:47
